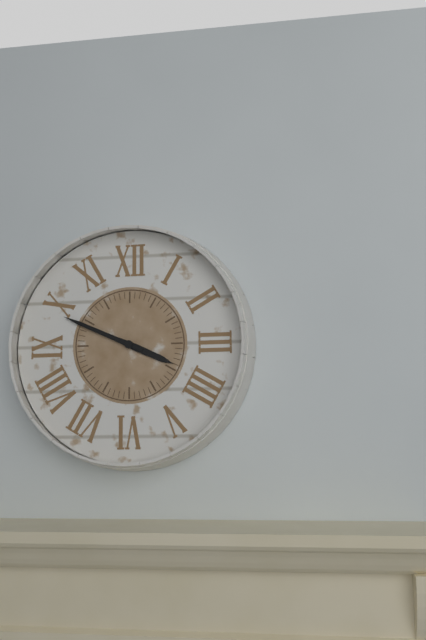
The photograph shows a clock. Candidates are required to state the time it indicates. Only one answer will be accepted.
3:49
